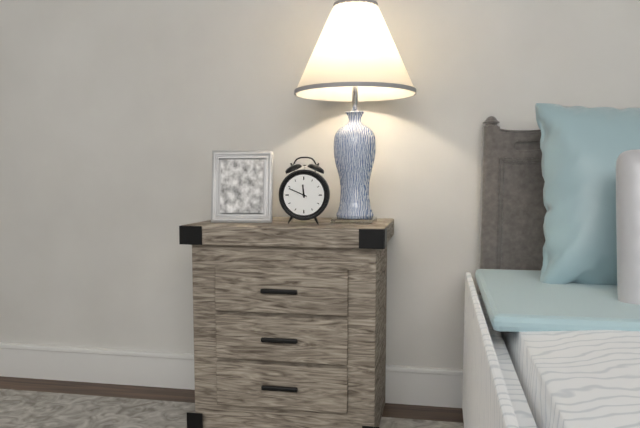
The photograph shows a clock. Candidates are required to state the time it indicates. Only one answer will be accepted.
11:49
